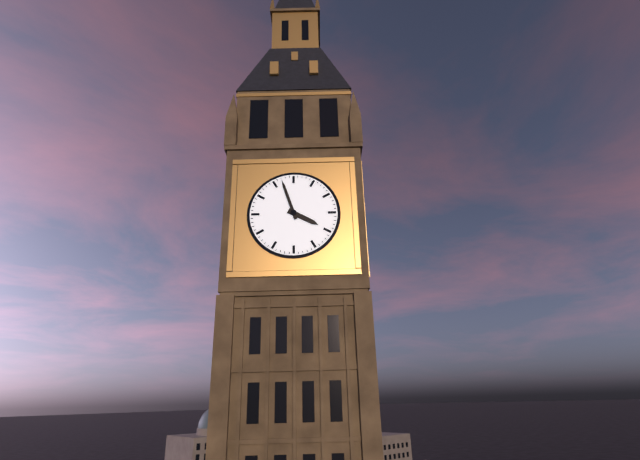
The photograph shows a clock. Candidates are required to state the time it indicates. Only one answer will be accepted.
3:57
